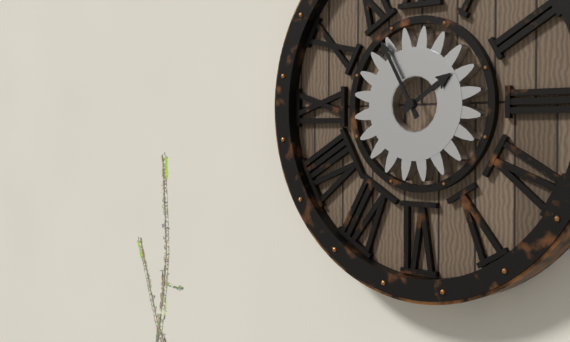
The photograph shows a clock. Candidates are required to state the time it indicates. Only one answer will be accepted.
1:55
